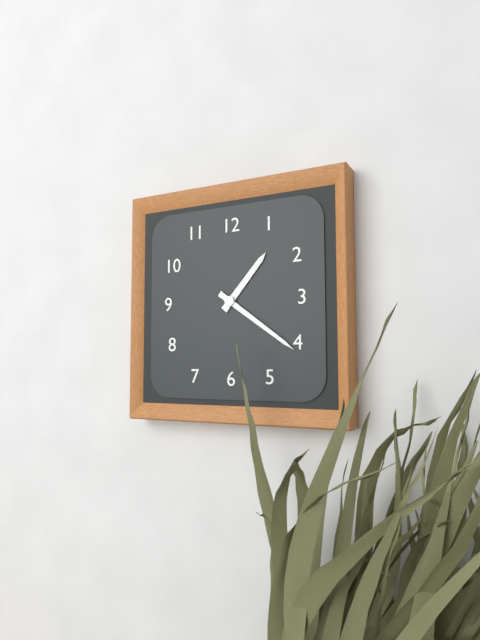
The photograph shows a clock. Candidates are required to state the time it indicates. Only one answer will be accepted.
1:21
